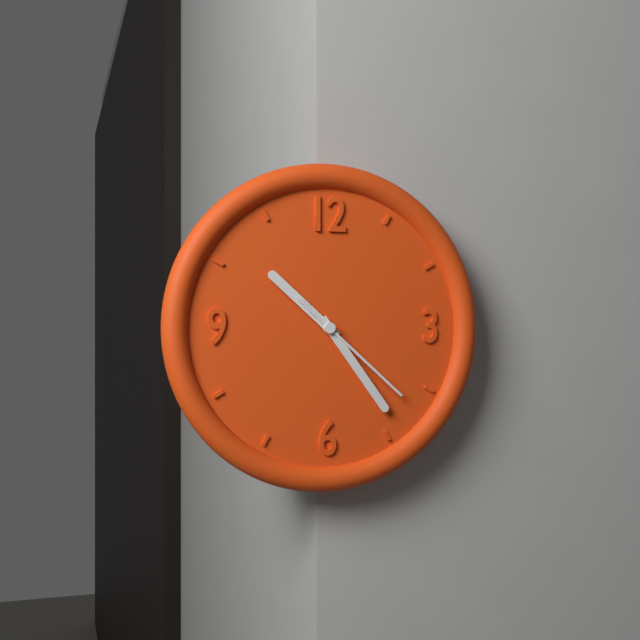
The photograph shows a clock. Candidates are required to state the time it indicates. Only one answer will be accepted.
10:24:22
